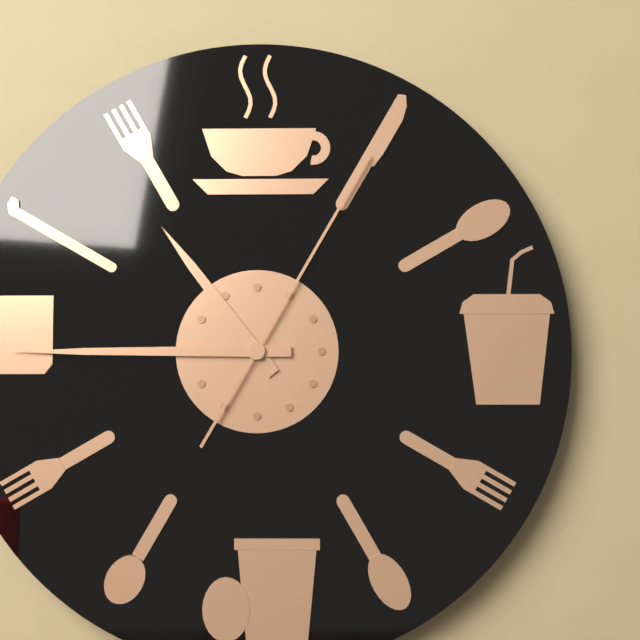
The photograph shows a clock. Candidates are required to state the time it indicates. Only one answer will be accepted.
10:45:05
